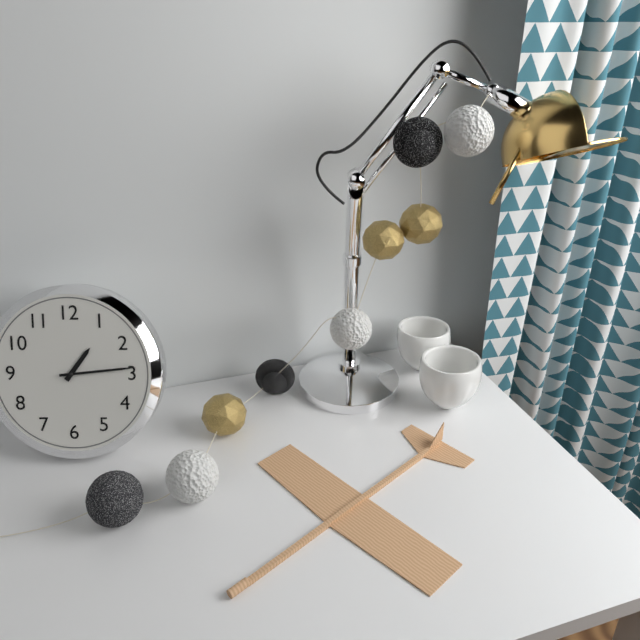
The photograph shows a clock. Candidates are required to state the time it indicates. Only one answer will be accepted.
1:14
